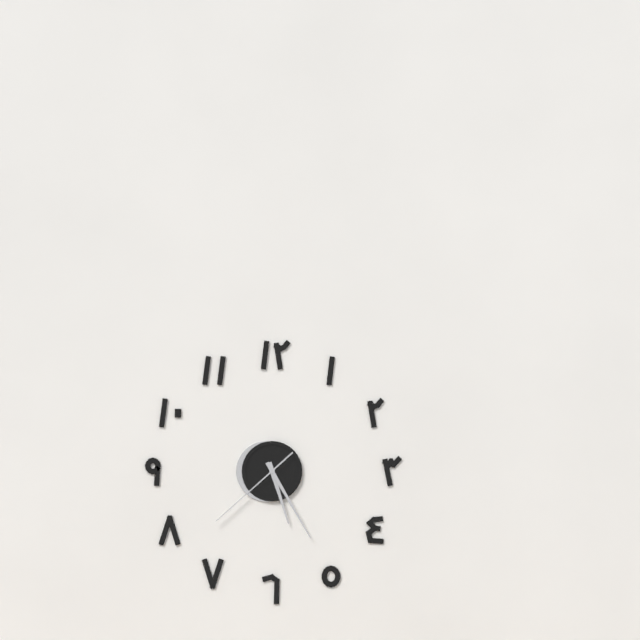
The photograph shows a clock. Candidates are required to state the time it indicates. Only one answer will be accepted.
5:25:38
